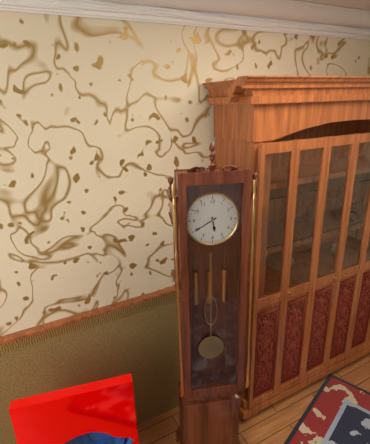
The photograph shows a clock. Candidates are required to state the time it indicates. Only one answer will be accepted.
5:40
